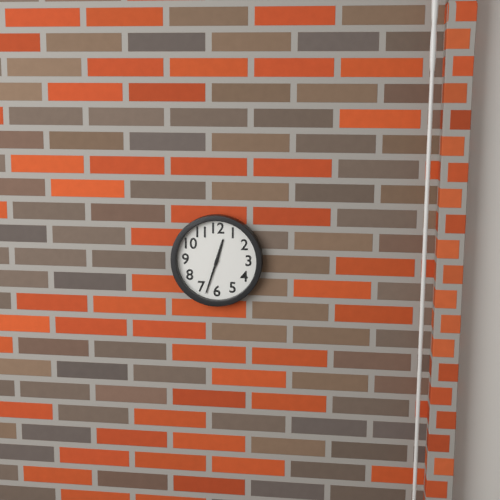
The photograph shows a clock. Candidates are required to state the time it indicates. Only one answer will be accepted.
12:33
